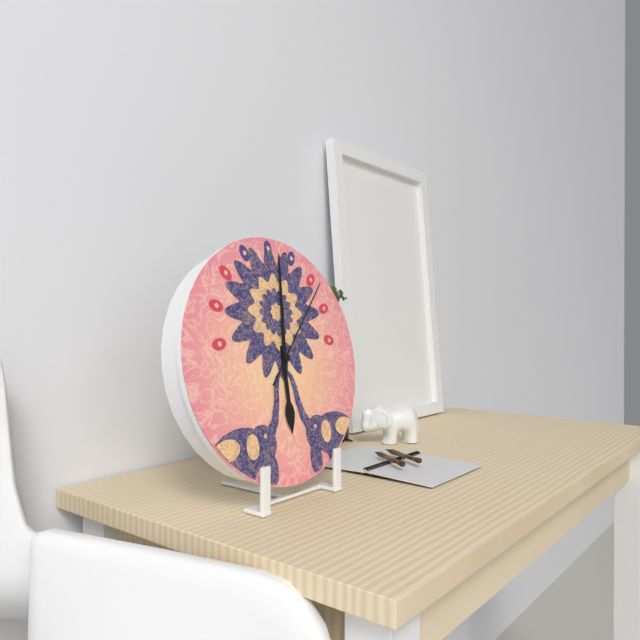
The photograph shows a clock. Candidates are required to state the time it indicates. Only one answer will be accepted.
6:01:07
